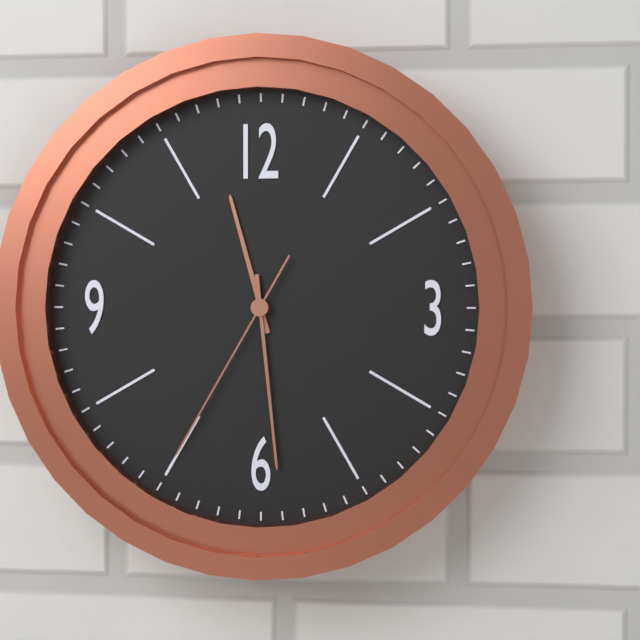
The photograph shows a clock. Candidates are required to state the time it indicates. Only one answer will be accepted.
11:29:35
